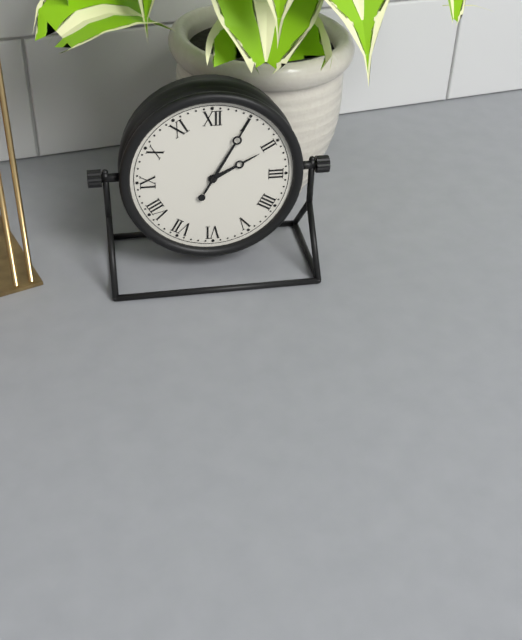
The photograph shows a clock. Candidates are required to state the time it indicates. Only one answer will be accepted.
2:05
